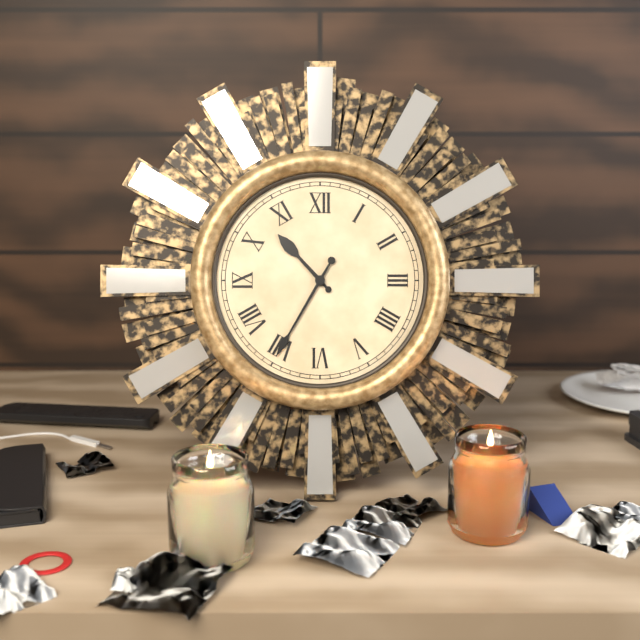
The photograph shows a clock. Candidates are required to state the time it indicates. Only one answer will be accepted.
10:35
